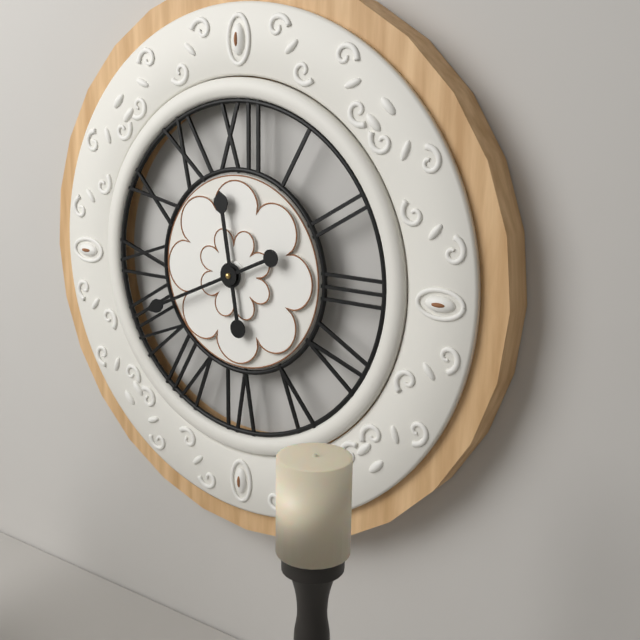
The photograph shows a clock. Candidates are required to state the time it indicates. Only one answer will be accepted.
11:41
